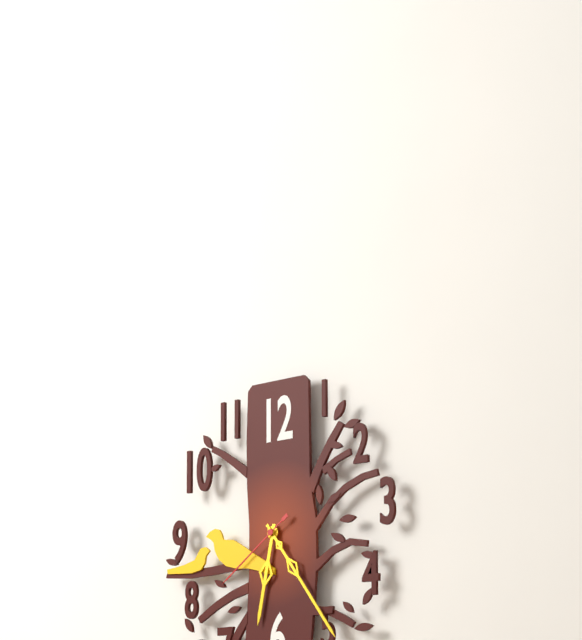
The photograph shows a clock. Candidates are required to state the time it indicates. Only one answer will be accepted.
6:24:39
